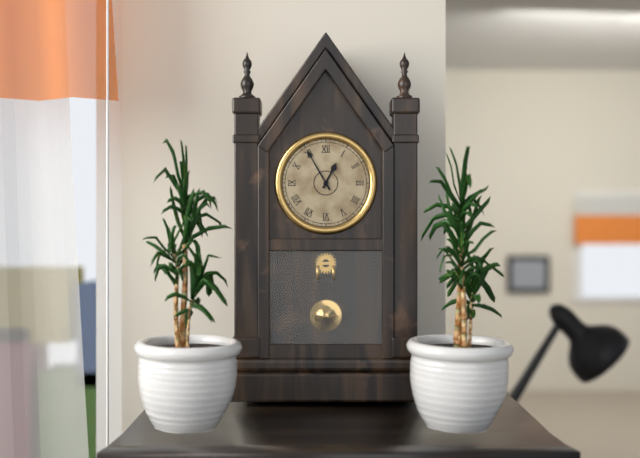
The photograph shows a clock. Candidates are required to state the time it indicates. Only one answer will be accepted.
12:55
